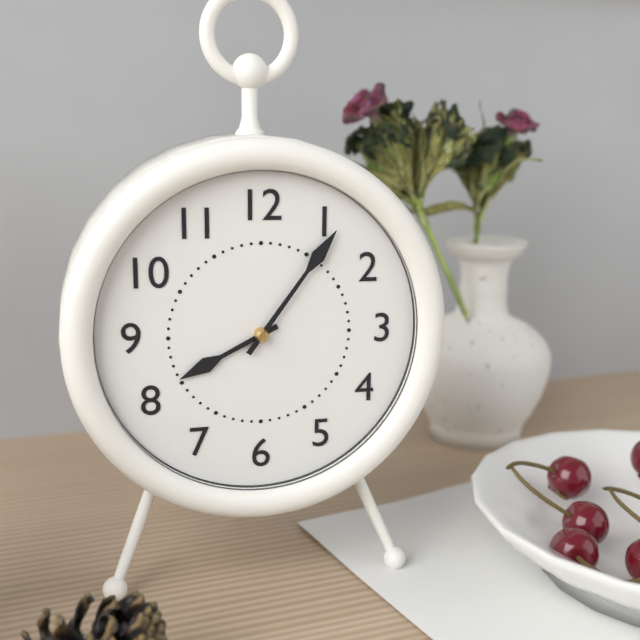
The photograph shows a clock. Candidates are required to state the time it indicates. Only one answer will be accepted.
8:06
